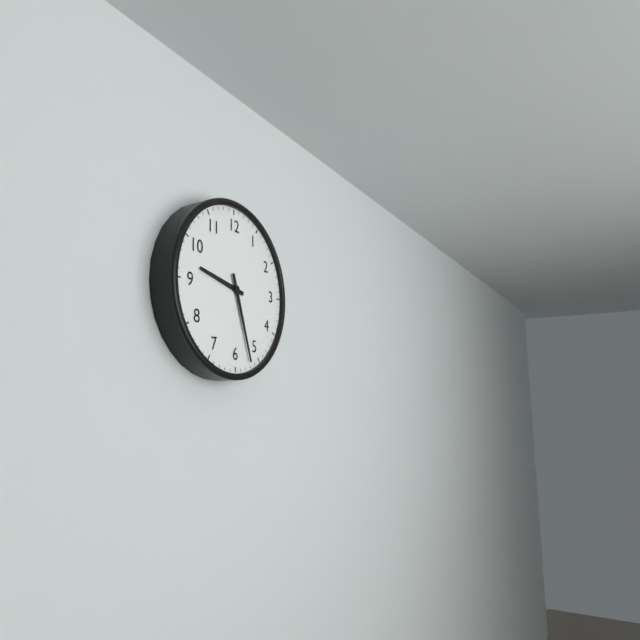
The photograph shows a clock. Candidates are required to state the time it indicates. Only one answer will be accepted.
9:27
